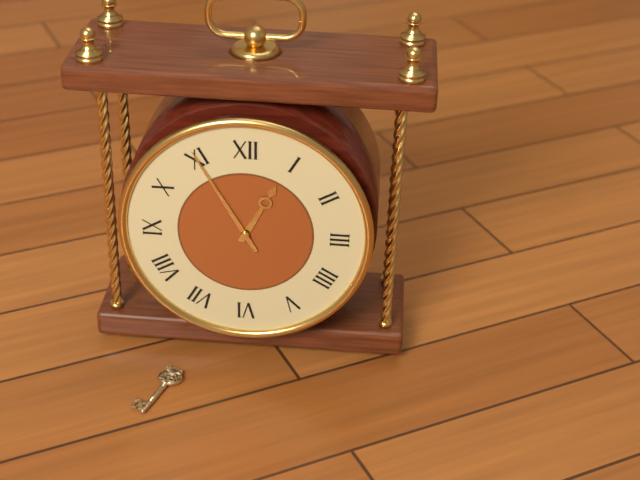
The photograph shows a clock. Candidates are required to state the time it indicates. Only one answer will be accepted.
12:55
